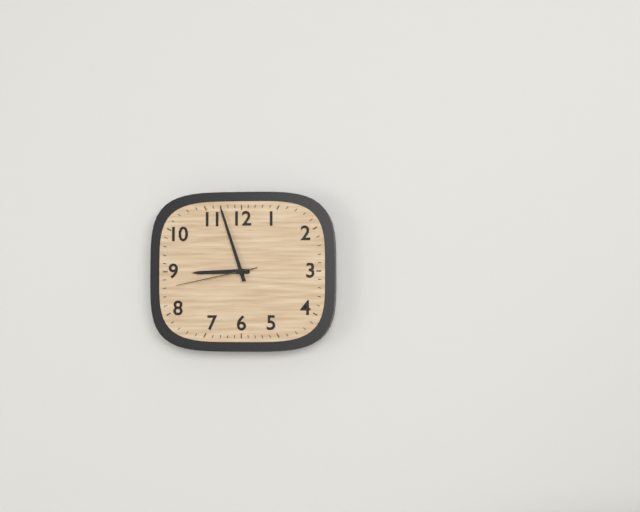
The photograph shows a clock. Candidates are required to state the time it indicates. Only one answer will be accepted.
8:57:43
